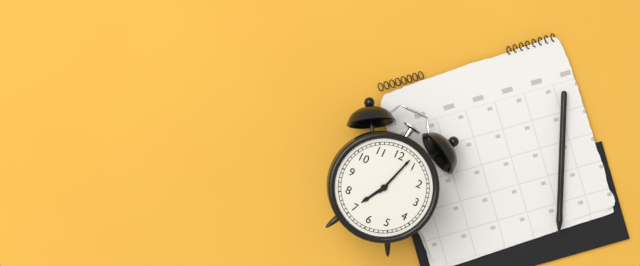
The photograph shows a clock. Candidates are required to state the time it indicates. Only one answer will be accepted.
7:03
